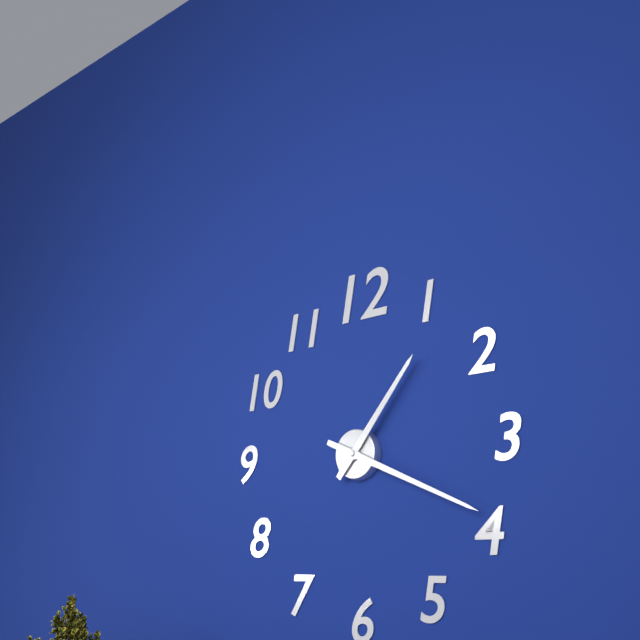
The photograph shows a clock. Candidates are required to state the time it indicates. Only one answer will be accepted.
1:19
